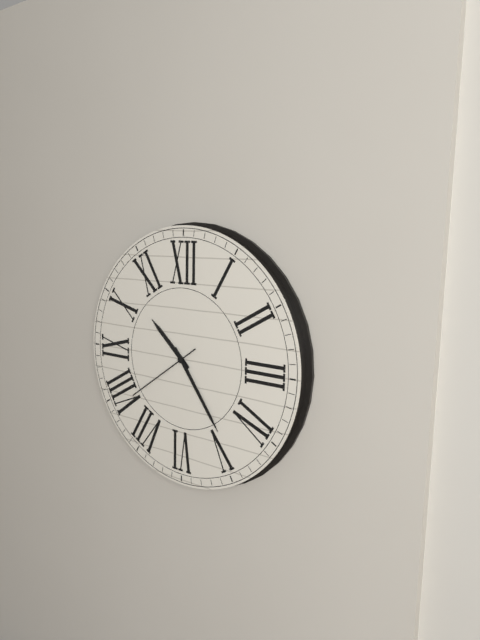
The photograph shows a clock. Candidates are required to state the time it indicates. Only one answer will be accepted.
10:24:39
